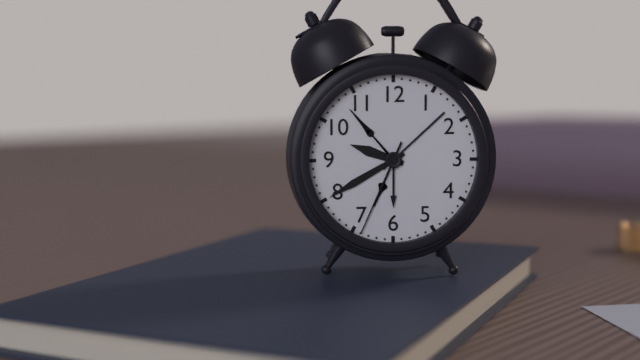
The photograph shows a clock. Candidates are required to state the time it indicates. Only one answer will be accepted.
9:40:34
